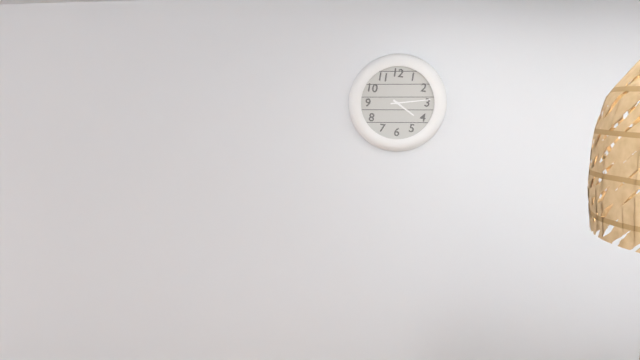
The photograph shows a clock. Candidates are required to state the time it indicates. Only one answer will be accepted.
4:14
